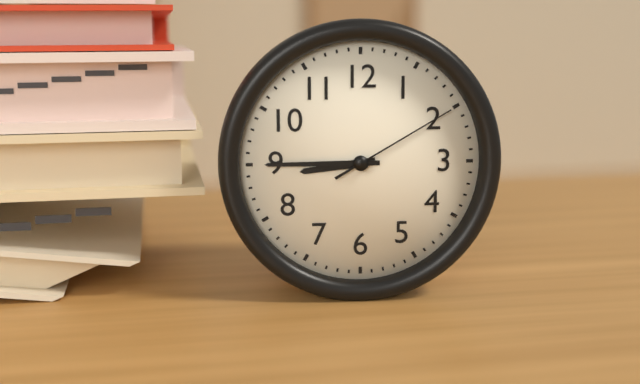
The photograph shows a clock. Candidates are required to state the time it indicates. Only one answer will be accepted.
8:45:10
